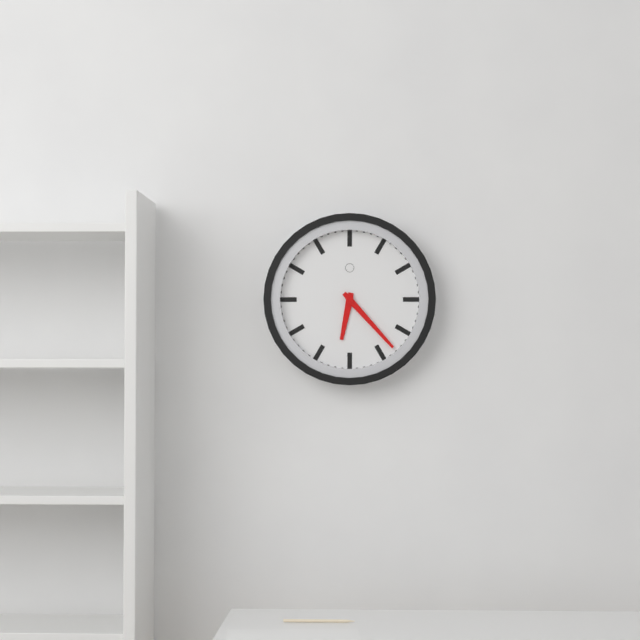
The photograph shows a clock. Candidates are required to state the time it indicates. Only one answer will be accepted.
6:23
